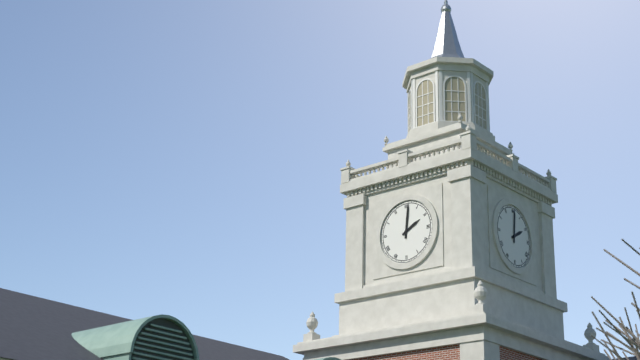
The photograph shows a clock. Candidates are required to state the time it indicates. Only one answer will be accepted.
2:01
